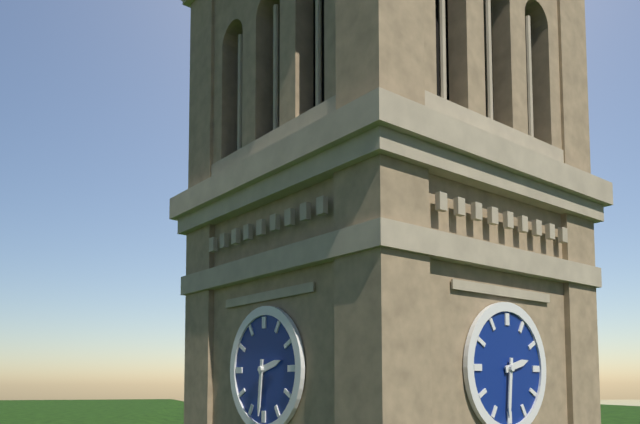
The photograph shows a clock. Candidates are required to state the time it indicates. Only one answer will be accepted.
2:31
